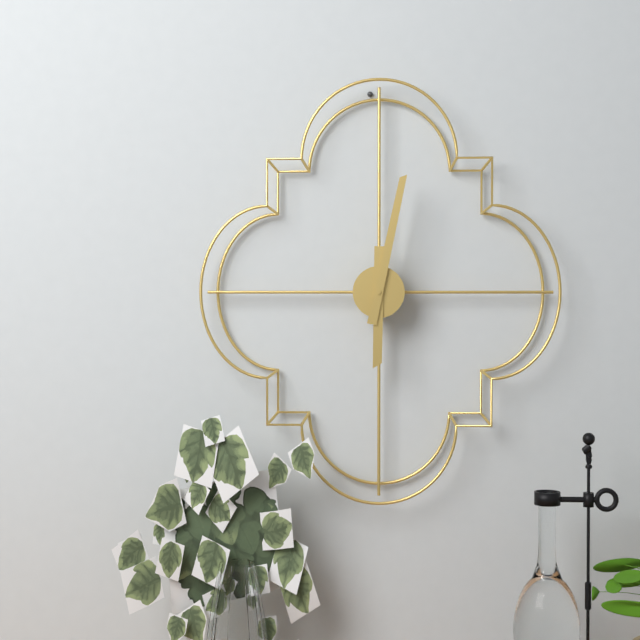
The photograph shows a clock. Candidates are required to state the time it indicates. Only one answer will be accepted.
6:02
